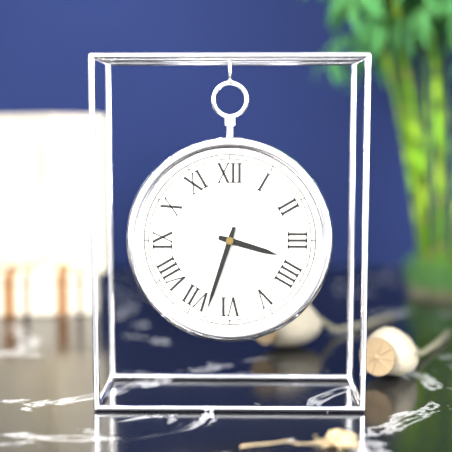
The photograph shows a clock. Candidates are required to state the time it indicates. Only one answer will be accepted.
3:33
